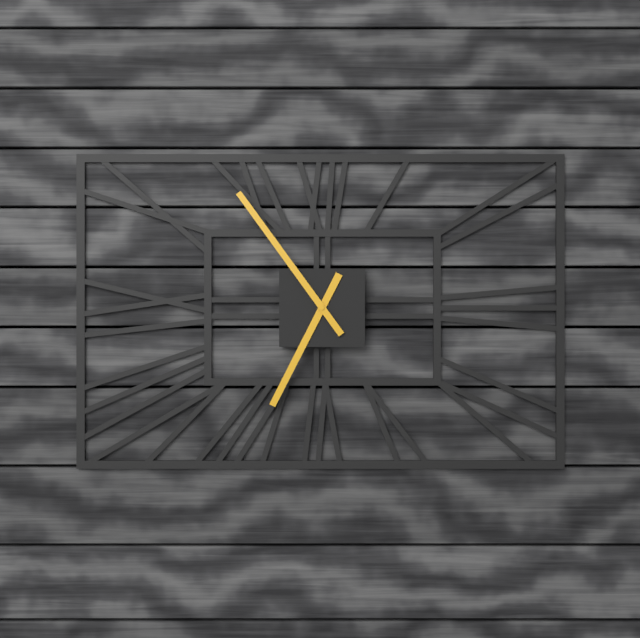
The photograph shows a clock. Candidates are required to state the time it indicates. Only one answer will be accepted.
6:54
